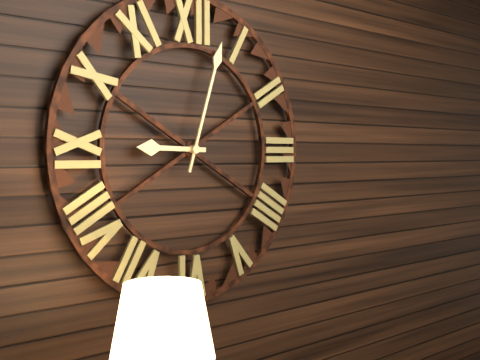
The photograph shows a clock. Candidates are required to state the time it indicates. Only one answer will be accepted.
9:03
